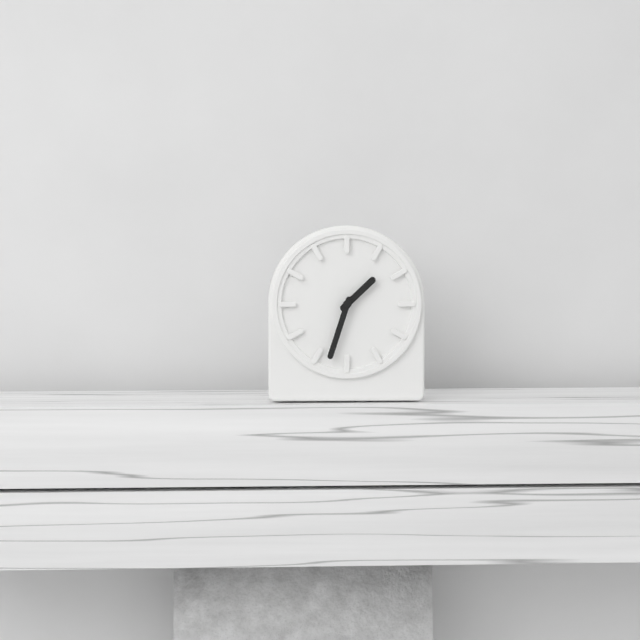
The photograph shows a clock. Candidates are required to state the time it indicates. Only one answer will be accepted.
1:33
